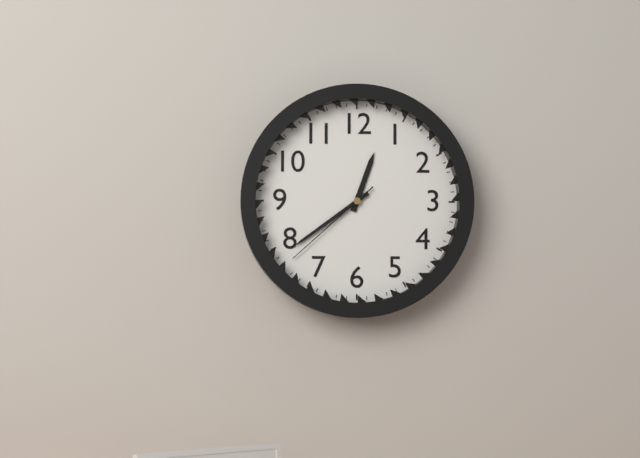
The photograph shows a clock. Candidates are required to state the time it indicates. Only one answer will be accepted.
12:39:38
